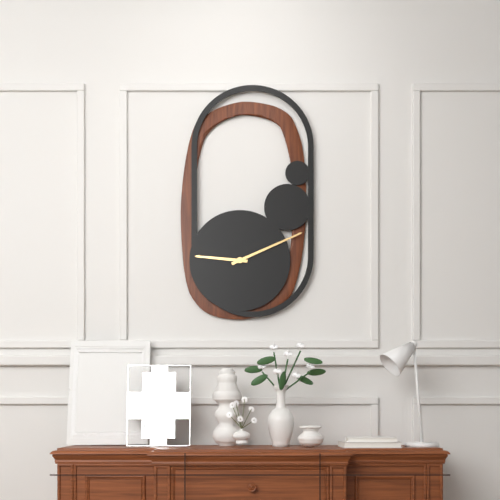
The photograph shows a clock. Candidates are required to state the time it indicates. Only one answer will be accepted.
9:11
